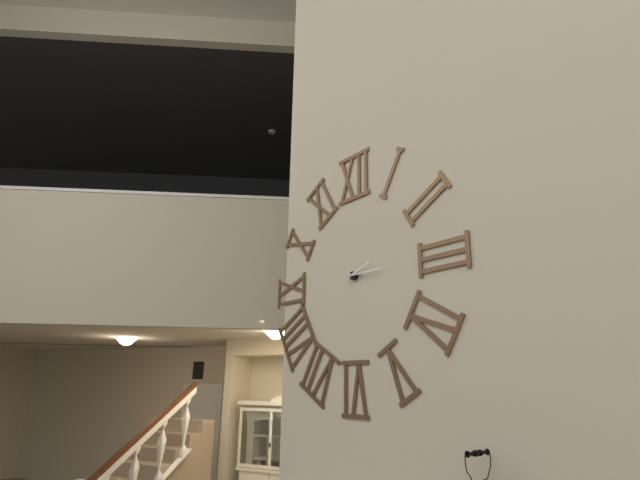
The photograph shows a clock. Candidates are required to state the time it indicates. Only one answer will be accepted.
2:15
